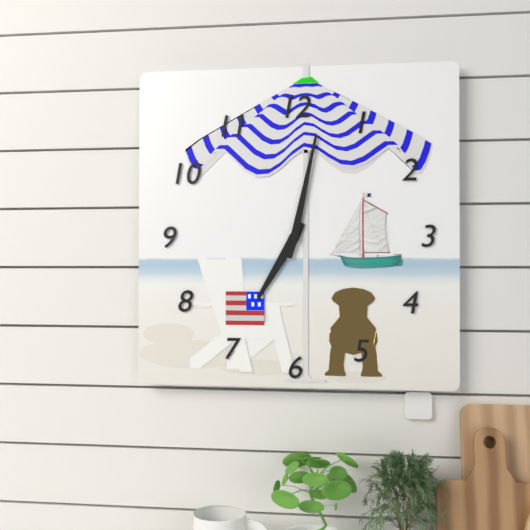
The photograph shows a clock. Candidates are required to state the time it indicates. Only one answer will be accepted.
7:02
